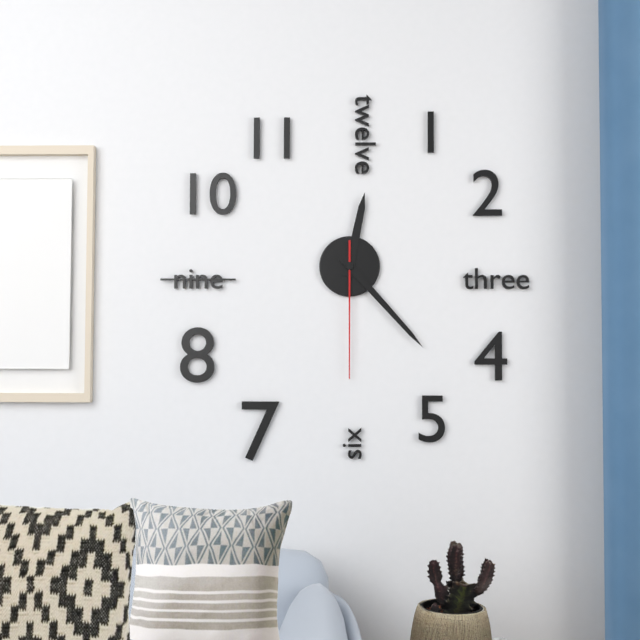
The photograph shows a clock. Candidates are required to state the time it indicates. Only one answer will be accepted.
12:23:30
